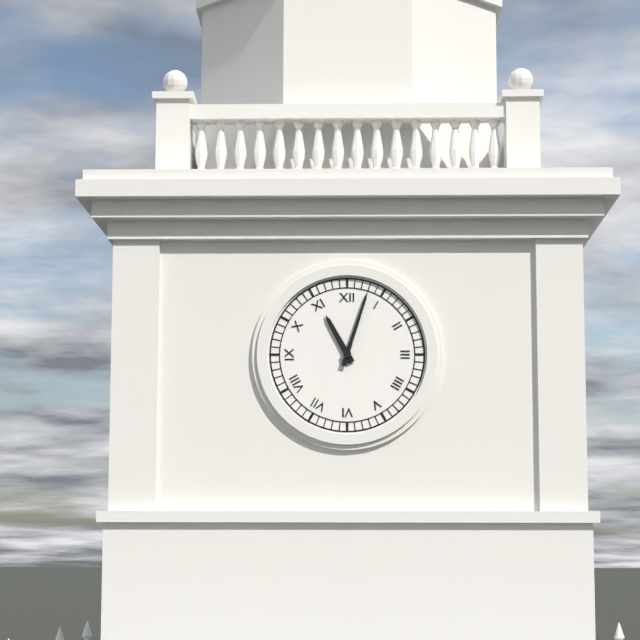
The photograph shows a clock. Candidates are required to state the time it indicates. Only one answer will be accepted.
11:03
